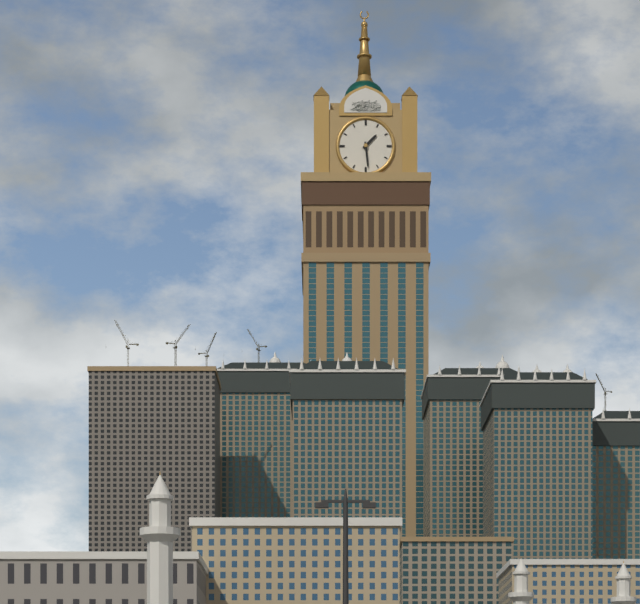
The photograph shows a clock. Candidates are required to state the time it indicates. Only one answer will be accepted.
1:29
